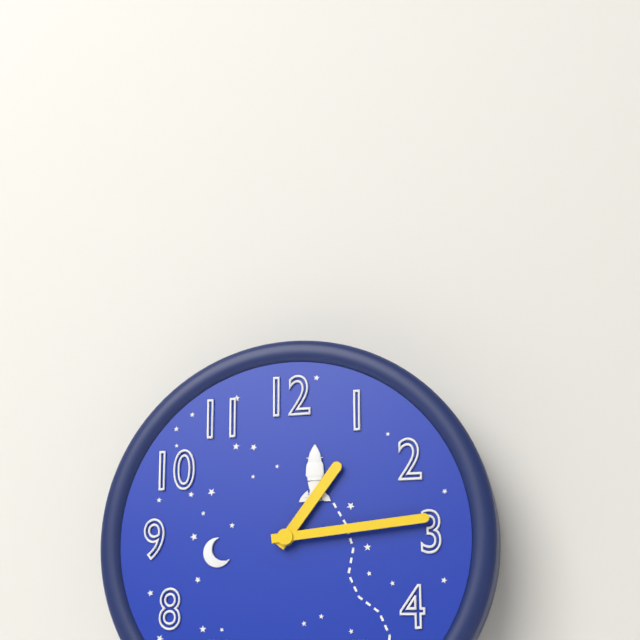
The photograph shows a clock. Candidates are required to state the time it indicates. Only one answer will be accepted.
1:14
